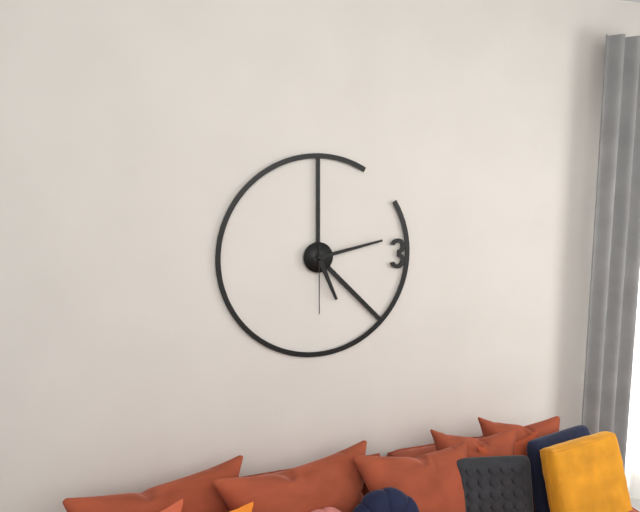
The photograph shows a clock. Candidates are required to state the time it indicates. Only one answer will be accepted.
5:13:30
